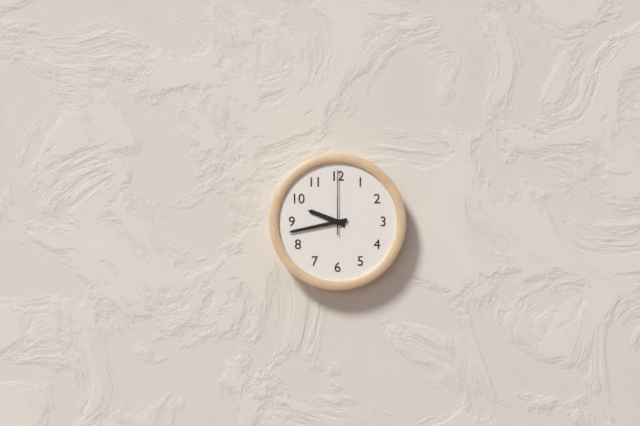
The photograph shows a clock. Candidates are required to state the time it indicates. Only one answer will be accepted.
9:43:00
